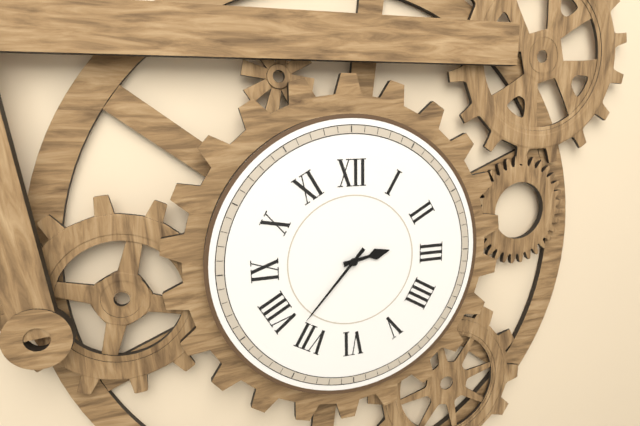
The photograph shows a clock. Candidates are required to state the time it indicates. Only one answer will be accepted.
2:37
